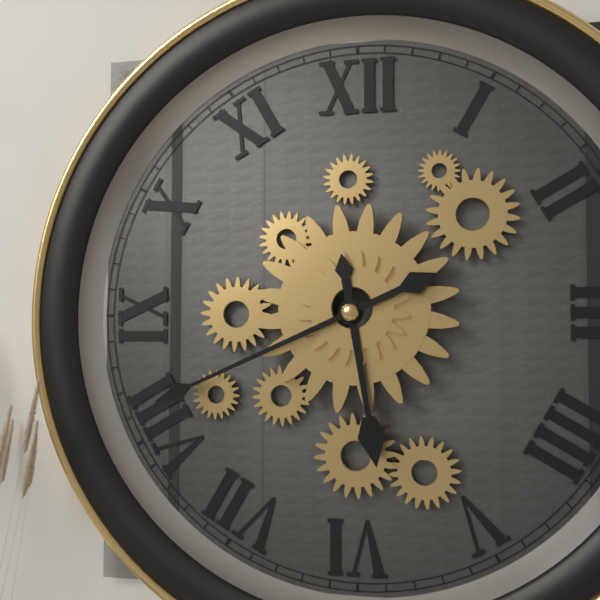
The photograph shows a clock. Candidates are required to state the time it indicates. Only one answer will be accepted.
5:41
